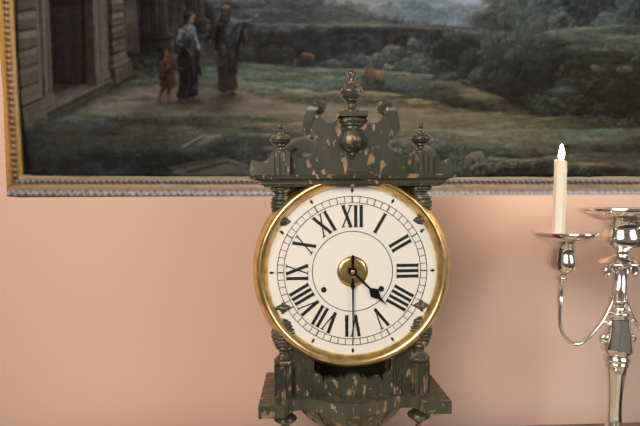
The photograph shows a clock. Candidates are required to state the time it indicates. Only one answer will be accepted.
4:30
